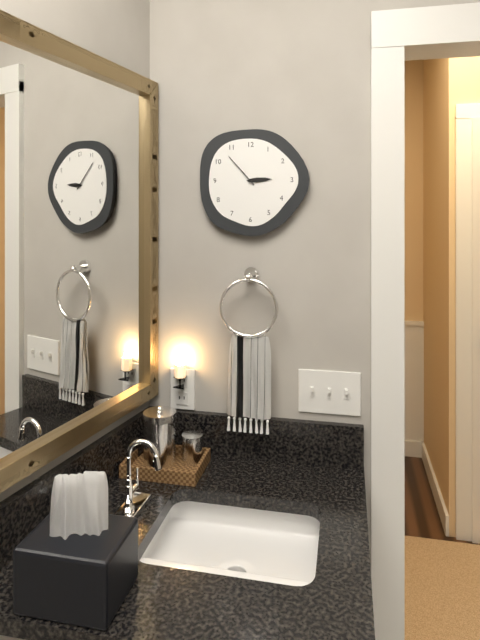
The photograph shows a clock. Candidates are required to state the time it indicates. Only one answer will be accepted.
2:53
